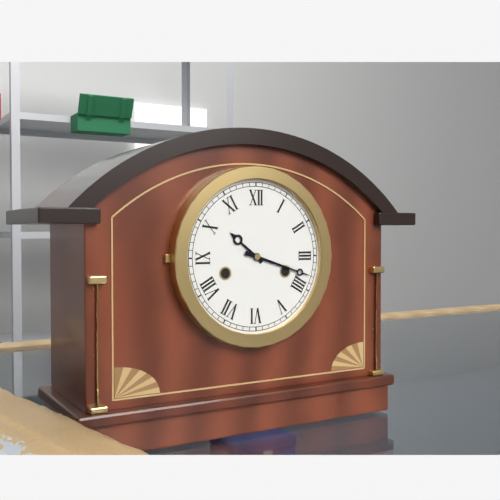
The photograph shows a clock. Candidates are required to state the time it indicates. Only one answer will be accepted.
10:18
